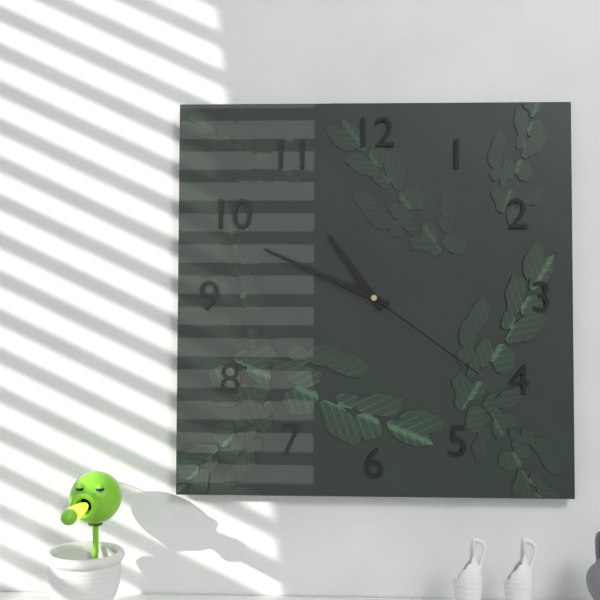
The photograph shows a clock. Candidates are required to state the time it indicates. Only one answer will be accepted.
10:49:21
